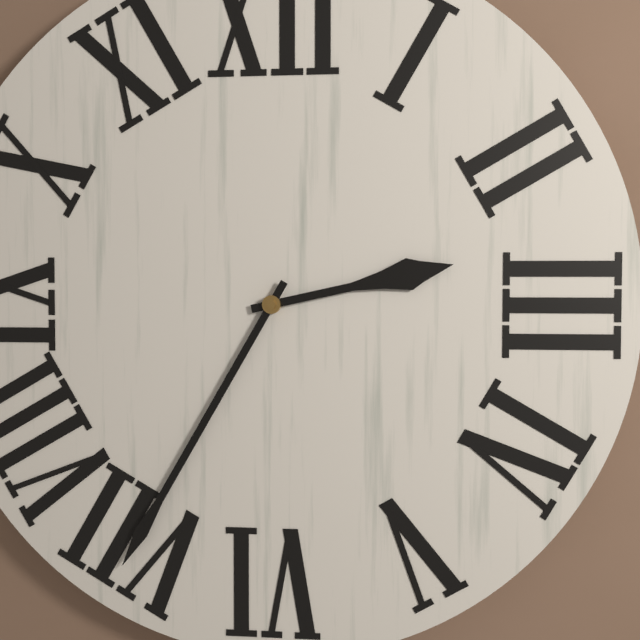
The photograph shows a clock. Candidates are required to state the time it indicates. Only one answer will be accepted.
2:35
